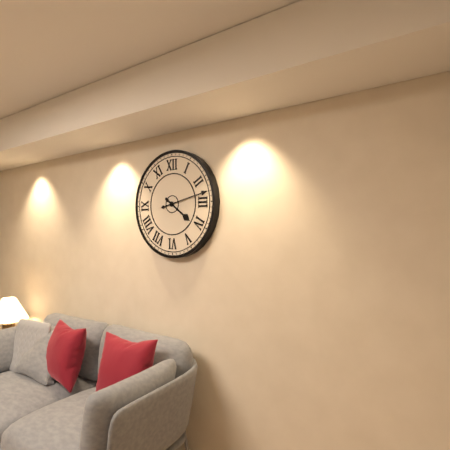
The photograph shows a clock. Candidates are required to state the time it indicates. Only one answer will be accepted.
4:13
